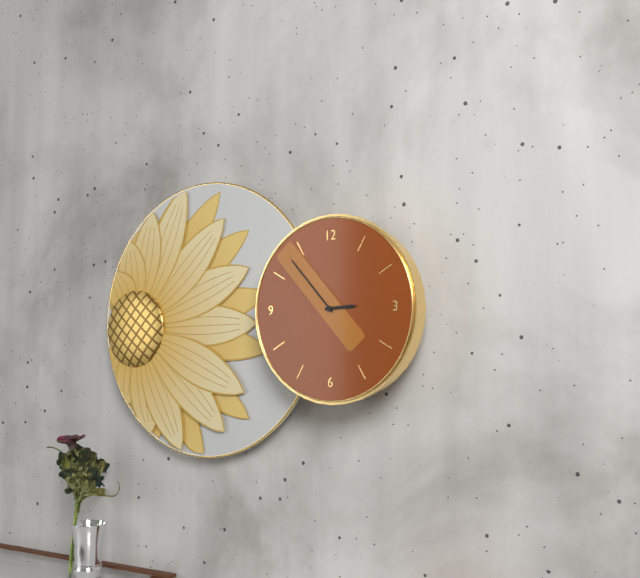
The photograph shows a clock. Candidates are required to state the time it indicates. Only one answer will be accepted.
2:53
